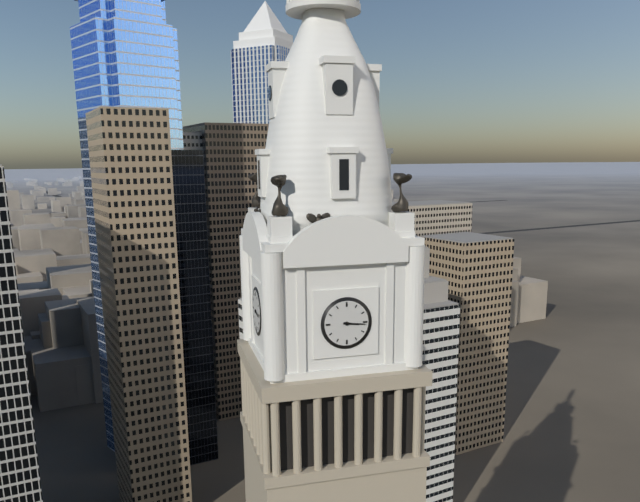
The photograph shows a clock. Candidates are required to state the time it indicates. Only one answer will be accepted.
3:16
